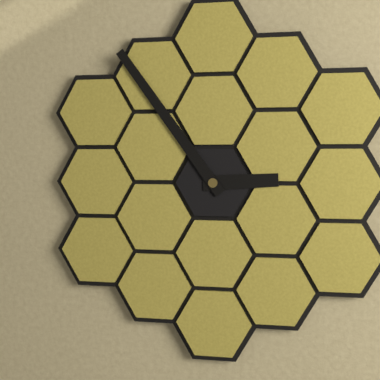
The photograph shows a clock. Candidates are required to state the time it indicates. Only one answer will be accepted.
2:54
